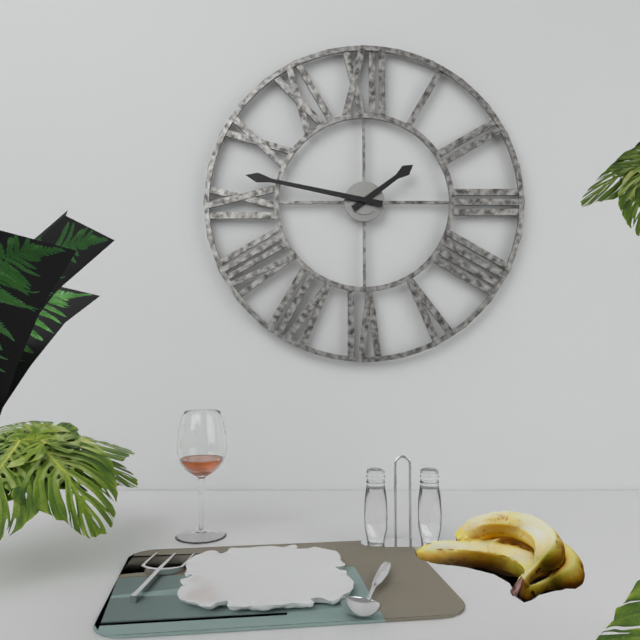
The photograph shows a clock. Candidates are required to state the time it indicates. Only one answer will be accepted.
1:47
